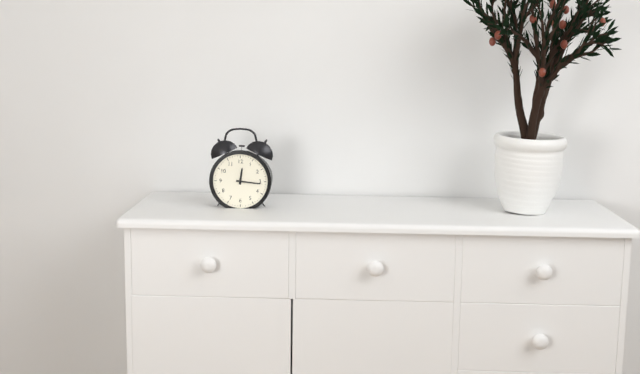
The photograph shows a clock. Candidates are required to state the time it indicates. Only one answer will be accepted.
12:16
